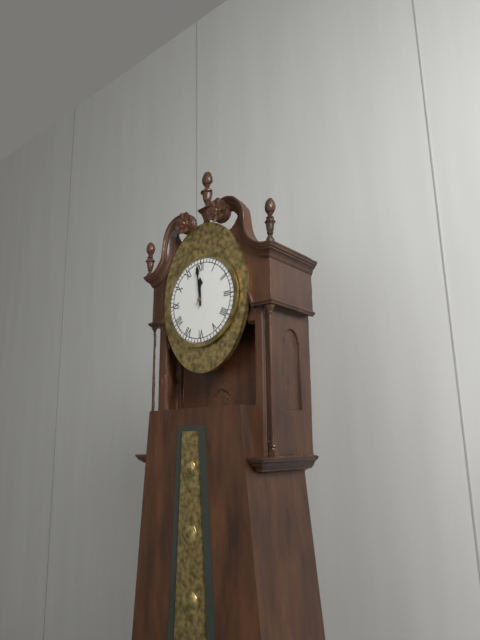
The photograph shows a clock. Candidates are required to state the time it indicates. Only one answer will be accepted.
11:59
